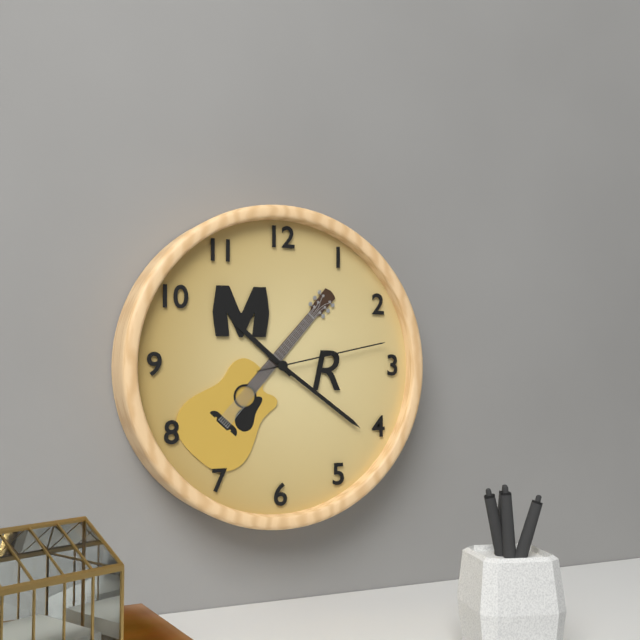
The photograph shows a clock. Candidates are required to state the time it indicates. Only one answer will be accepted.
10:21:13
